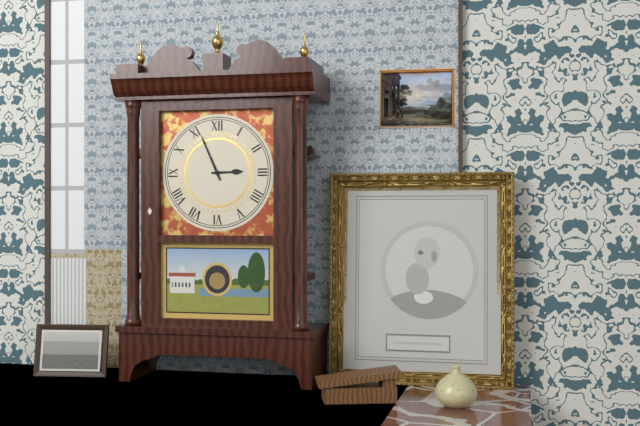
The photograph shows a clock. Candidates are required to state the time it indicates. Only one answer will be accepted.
2:56
